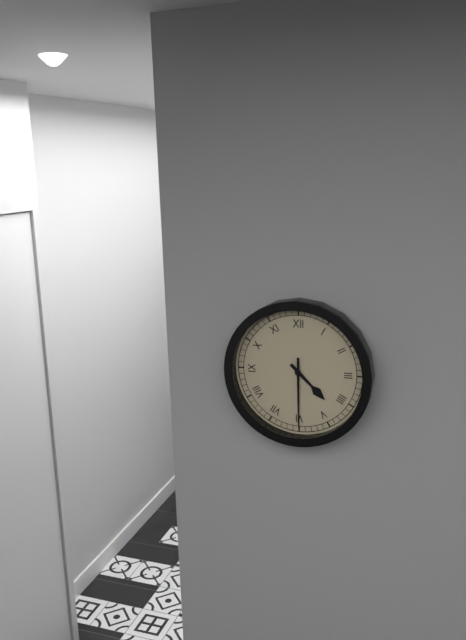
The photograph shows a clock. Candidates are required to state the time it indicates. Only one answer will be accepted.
4:30
